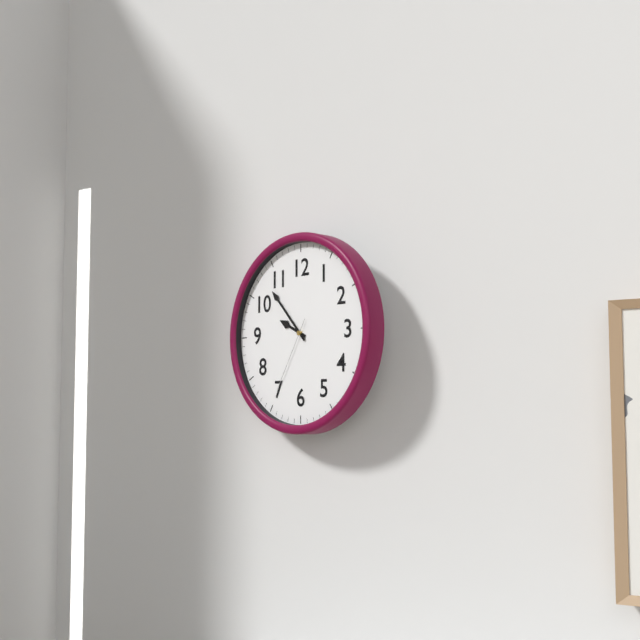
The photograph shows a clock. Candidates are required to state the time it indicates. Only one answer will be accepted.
9:53:35
